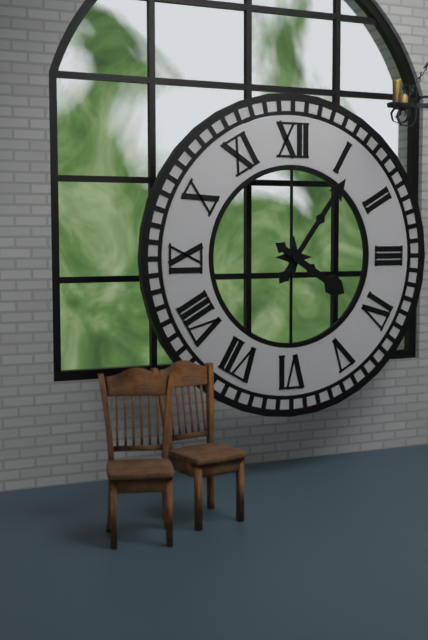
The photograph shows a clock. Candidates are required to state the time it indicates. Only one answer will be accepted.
4:06
